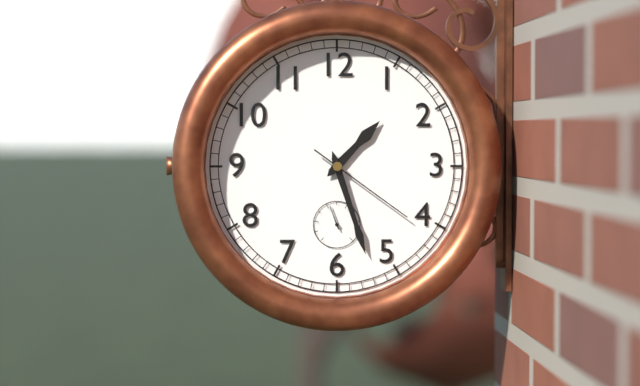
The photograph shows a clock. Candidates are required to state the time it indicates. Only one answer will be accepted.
1:27:21
